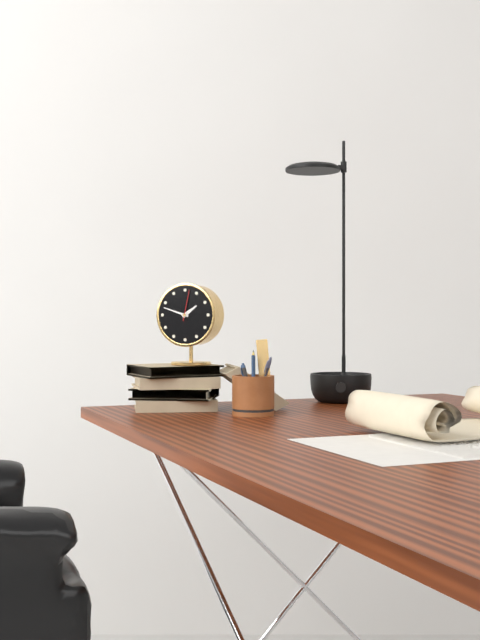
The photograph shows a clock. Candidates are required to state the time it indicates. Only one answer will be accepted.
1:48
